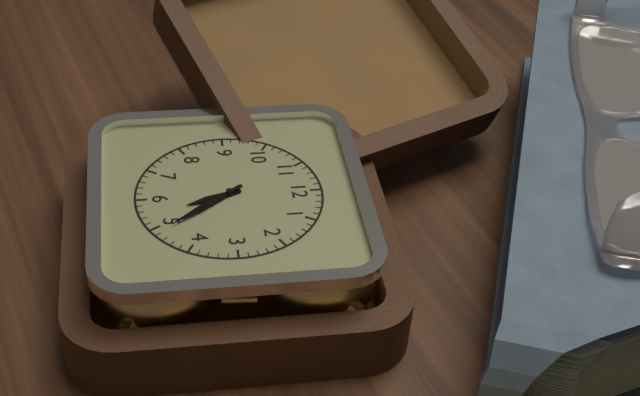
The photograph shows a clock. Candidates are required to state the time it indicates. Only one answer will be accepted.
5:24
